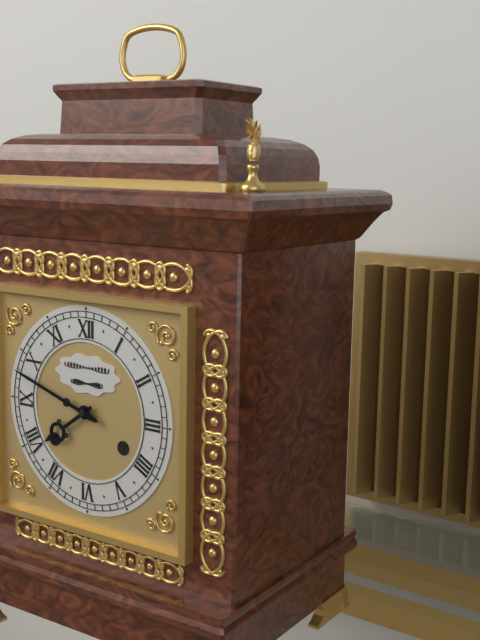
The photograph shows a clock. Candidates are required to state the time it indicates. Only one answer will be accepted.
7:48
